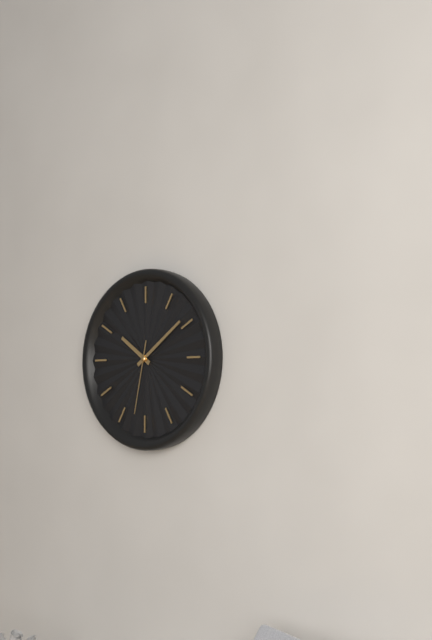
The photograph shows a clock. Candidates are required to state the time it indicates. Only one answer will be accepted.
10:09:32
